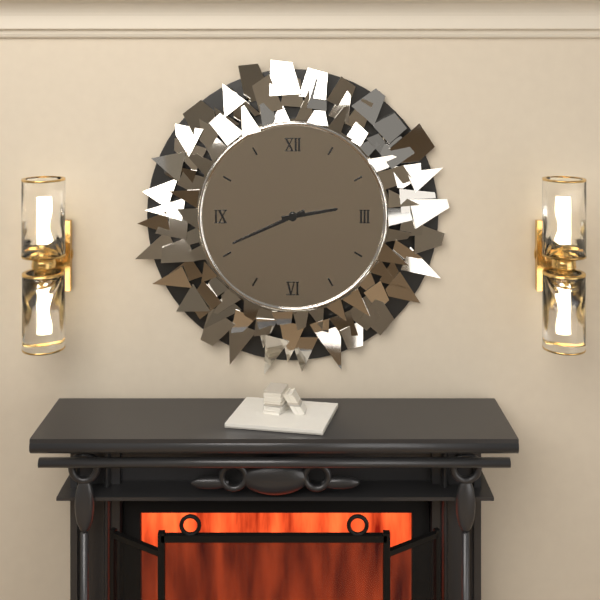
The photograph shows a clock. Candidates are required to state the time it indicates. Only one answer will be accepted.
2:41
